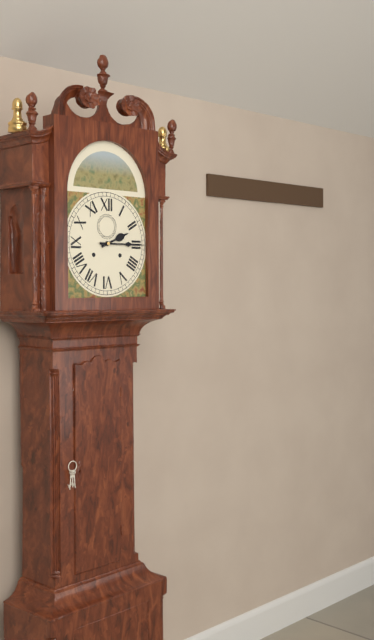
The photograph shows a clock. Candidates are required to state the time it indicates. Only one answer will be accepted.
2:15
